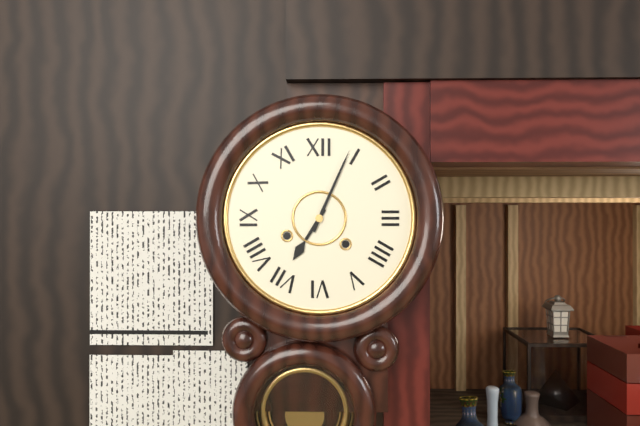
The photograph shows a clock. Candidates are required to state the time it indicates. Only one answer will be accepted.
7:04
